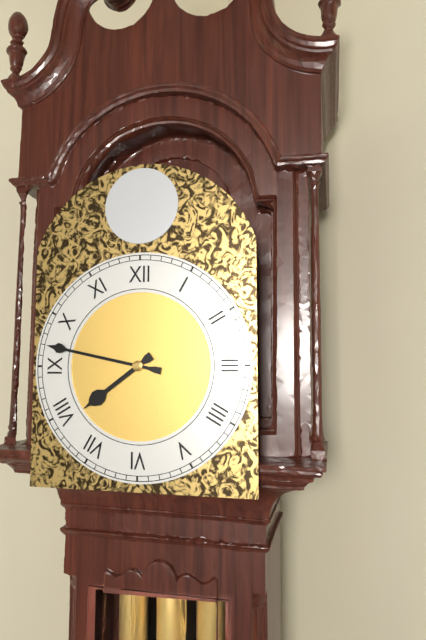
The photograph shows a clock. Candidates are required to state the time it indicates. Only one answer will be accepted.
7:47
